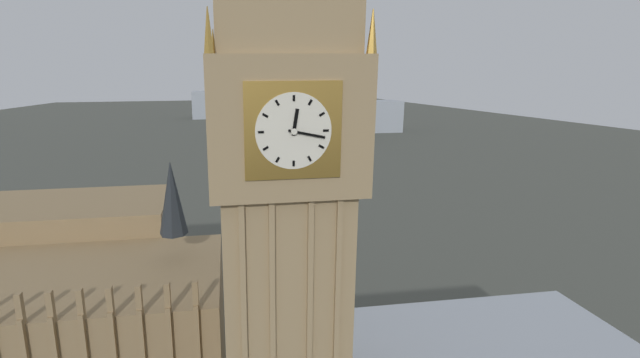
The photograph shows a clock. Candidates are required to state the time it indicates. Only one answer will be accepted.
12:17
